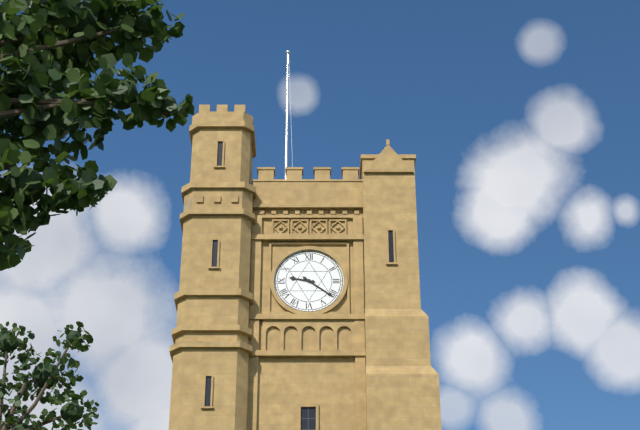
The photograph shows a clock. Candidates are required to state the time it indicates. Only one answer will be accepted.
9:21
